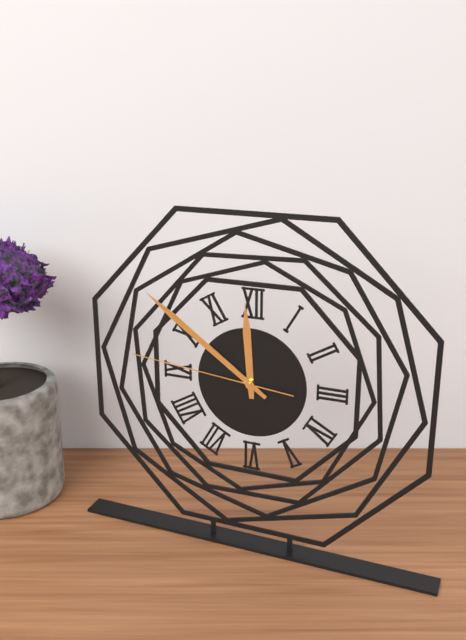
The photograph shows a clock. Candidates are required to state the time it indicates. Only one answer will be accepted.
11:51:46
